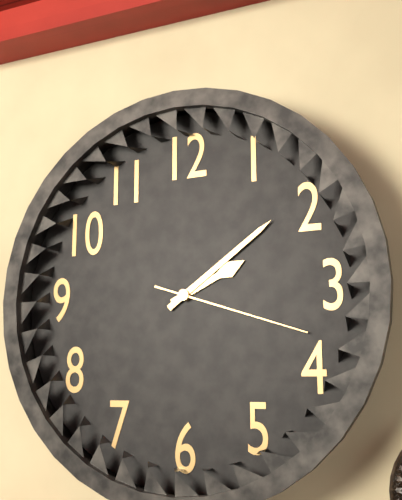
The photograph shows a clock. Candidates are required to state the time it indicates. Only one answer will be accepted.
2:09:18
